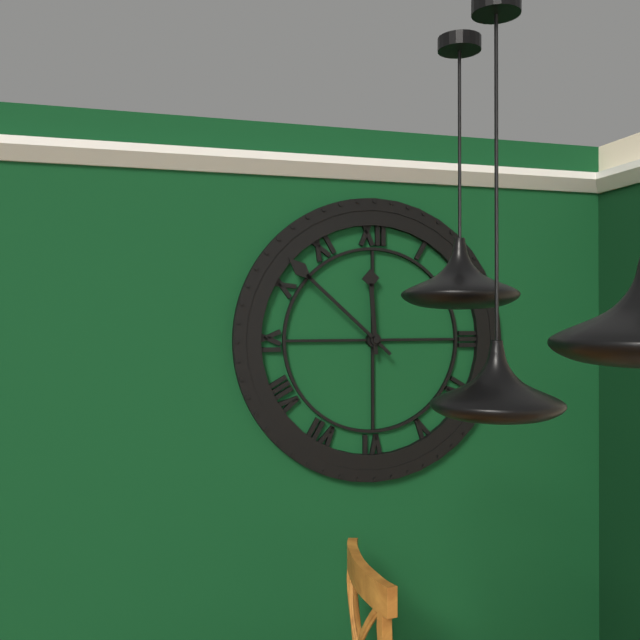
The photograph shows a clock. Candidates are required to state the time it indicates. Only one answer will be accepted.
11:52
